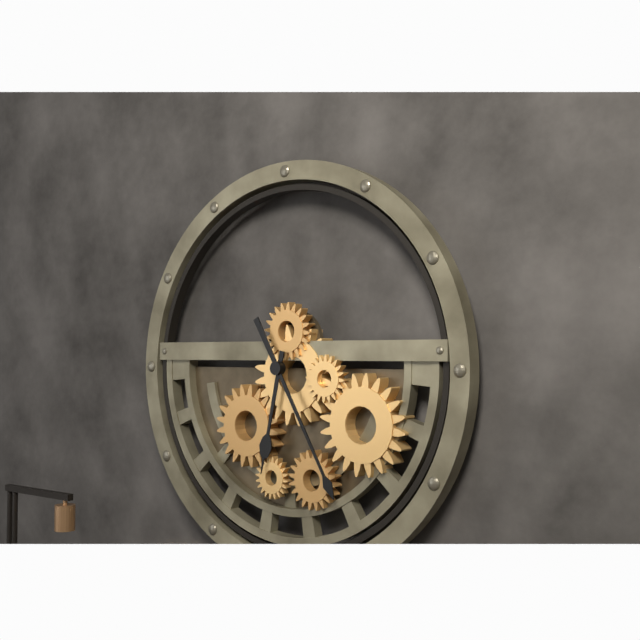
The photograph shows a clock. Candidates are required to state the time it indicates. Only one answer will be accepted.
6:25
